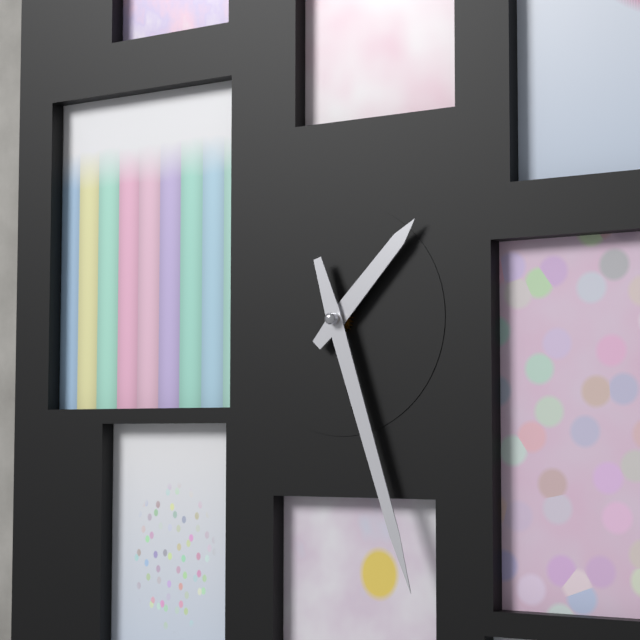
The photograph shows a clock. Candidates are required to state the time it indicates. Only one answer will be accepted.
1:27
